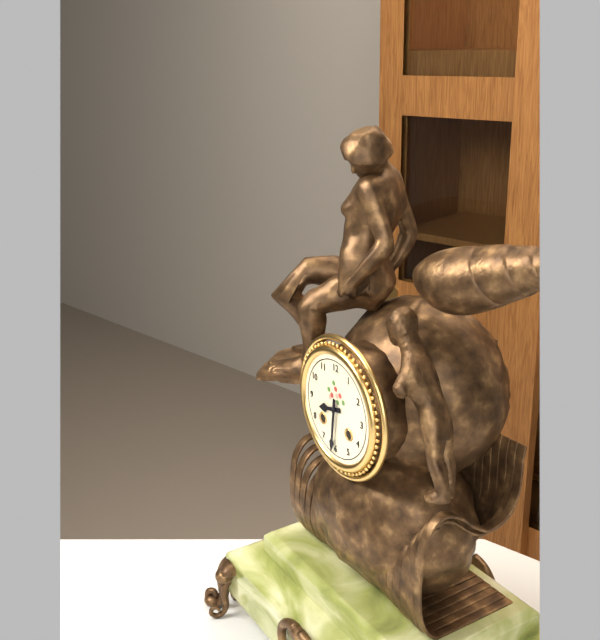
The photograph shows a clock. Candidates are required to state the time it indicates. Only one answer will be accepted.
8:31
